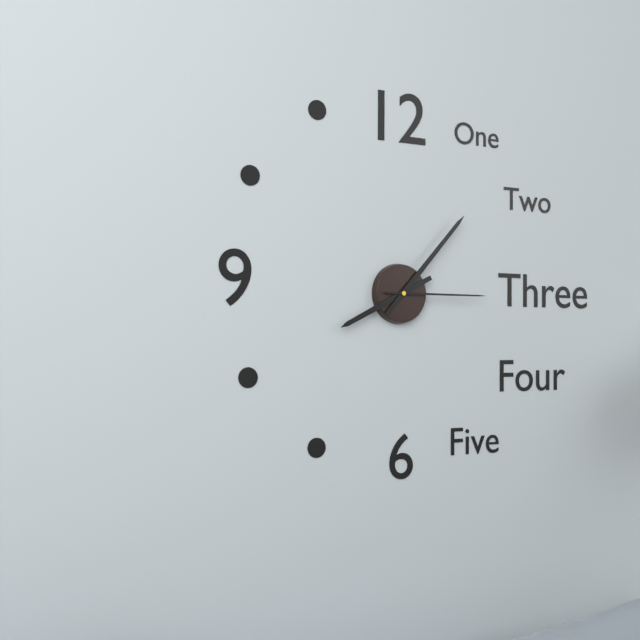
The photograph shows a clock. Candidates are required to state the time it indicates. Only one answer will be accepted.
8:07:15
